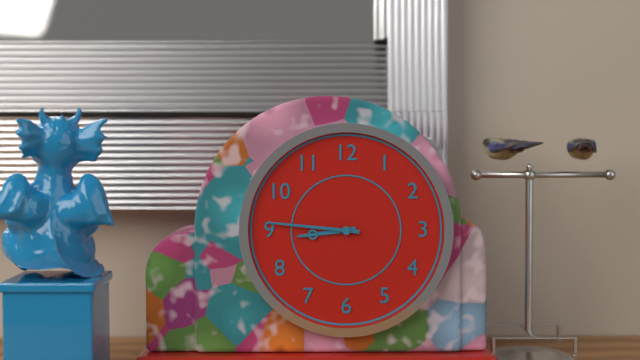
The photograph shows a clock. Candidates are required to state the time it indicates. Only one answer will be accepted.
8:46
